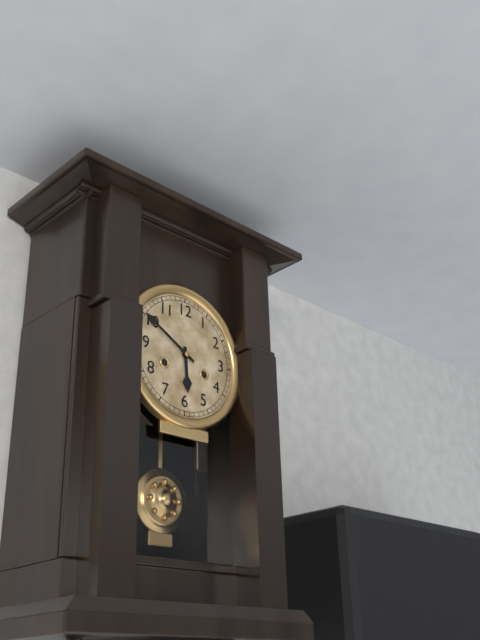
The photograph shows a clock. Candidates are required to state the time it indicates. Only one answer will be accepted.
5:50
